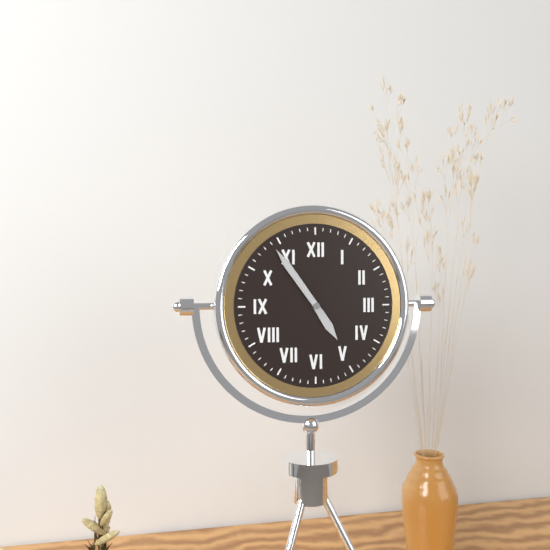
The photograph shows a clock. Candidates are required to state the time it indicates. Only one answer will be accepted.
4:54
